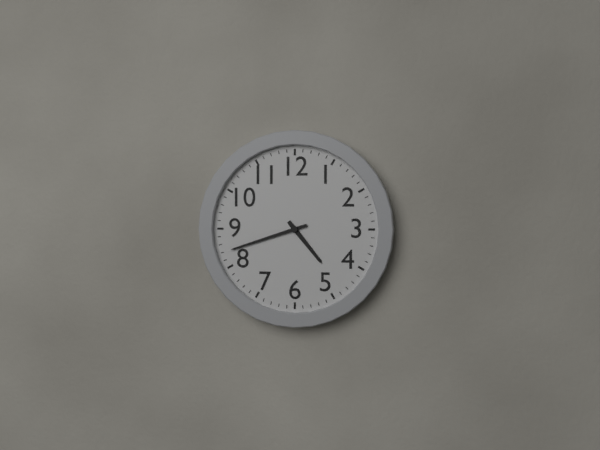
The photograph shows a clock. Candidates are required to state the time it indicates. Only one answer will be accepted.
4:42
